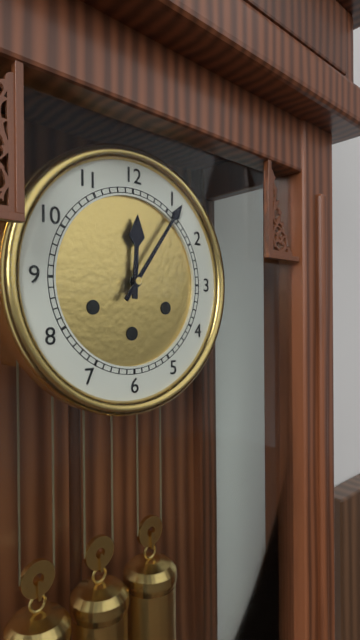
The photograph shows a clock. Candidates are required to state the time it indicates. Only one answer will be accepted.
12:06
